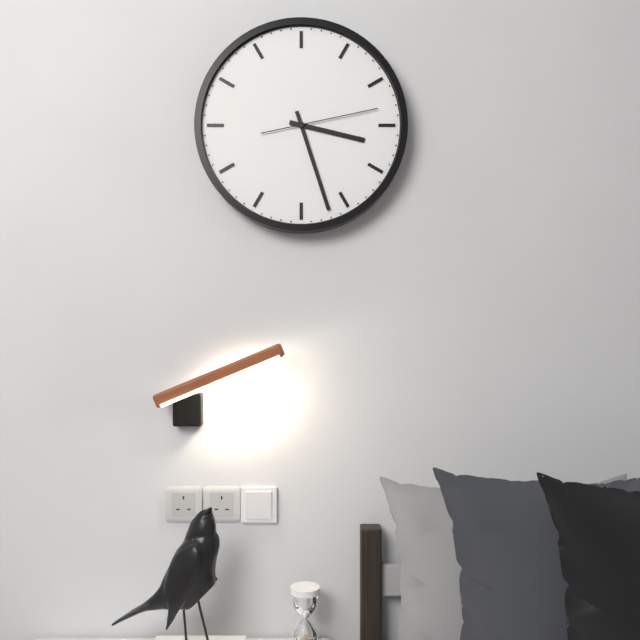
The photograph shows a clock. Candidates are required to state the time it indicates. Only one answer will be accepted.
3:27:13
